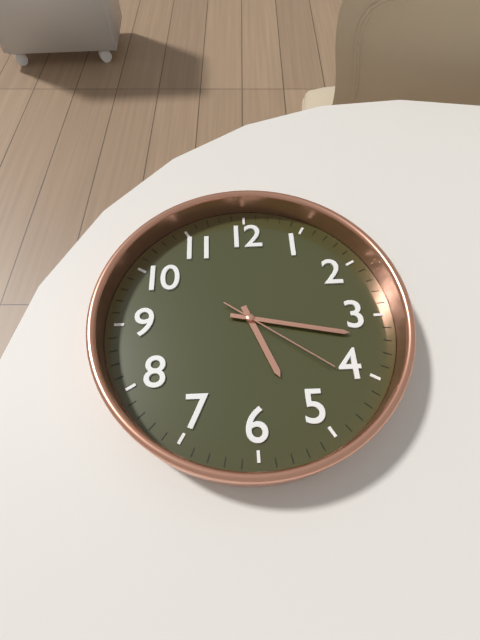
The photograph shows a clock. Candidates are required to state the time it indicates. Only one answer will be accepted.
5:17:21
